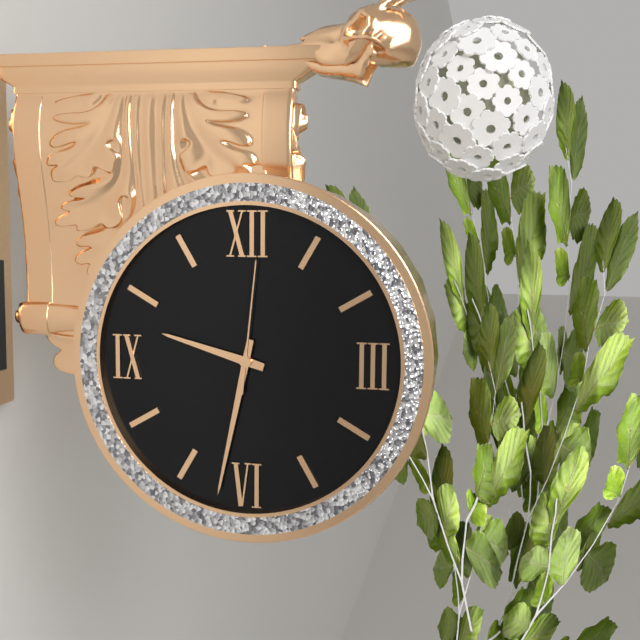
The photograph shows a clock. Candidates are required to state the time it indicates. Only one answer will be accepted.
9:32:01
